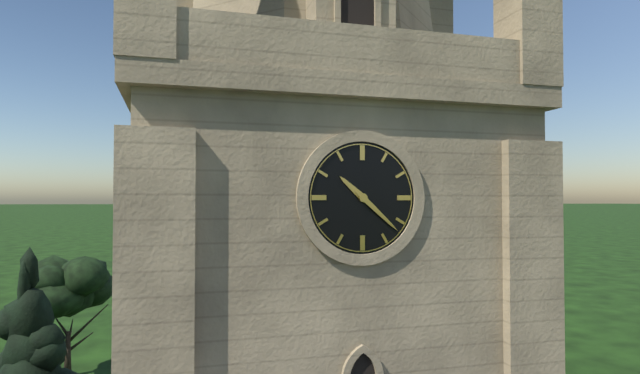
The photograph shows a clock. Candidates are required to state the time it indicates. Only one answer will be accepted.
10:22
